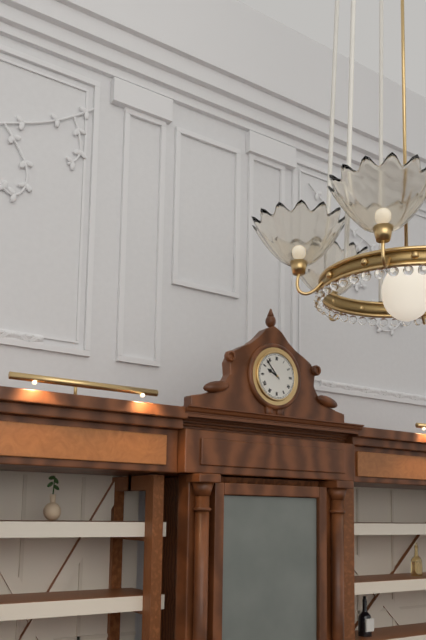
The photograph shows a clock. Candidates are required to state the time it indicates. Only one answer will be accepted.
9:53
